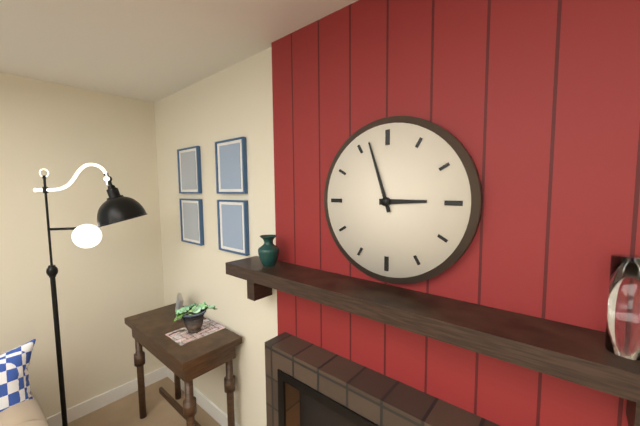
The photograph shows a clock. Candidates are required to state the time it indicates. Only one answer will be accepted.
2:57
